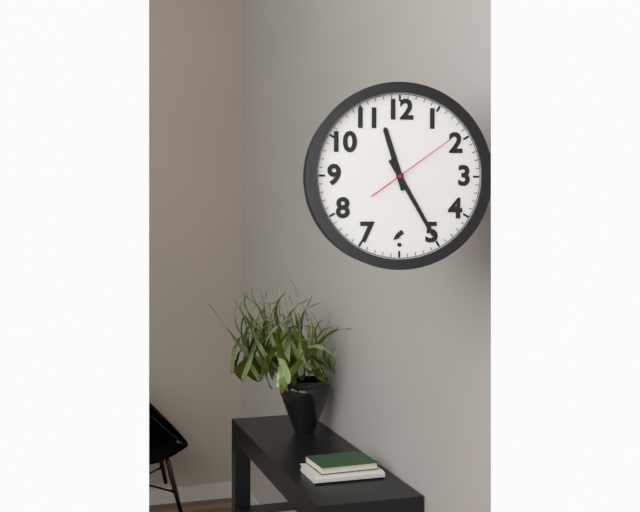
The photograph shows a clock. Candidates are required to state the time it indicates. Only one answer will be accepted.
11:25:09
